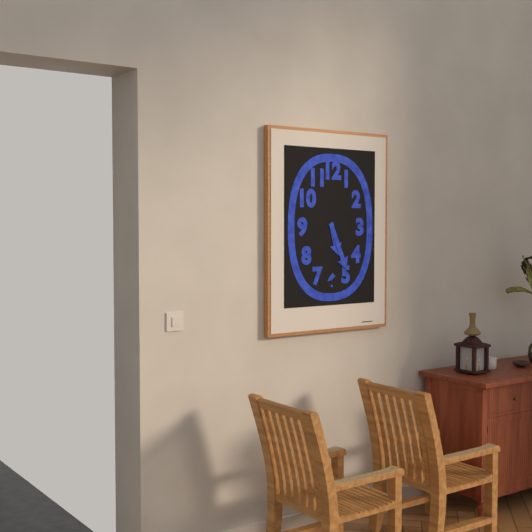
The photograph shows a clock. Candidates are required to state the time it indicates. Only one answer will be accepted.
5:26
